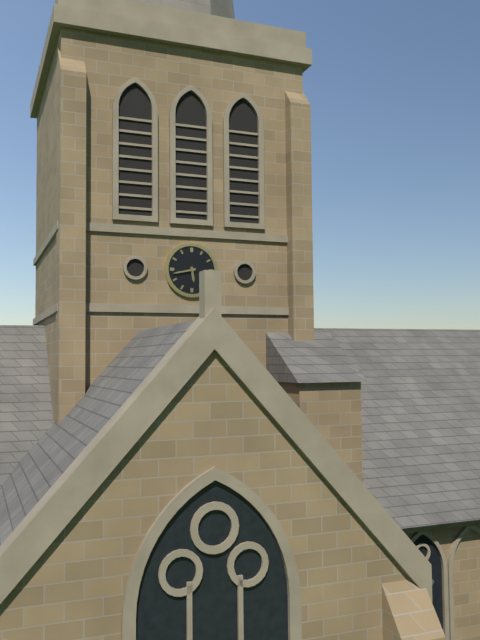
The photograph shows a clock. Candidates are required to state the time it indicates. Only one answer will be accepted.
5:43
